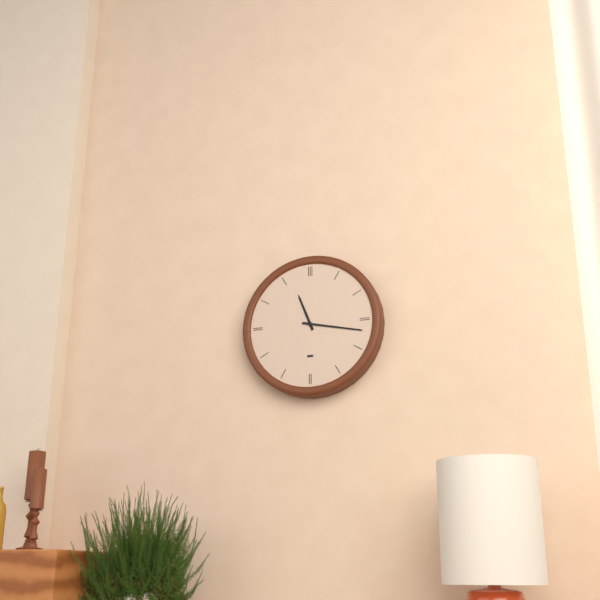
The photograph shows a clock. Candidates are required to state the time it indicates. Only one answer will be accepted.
11:17
